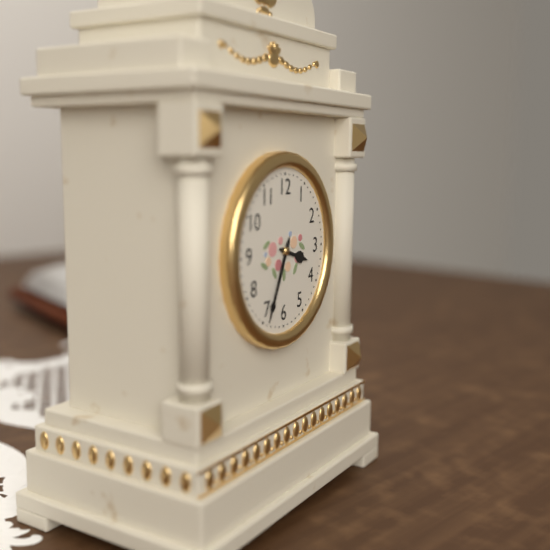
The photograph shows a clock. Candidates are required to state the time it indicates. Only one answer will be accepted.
3:34
